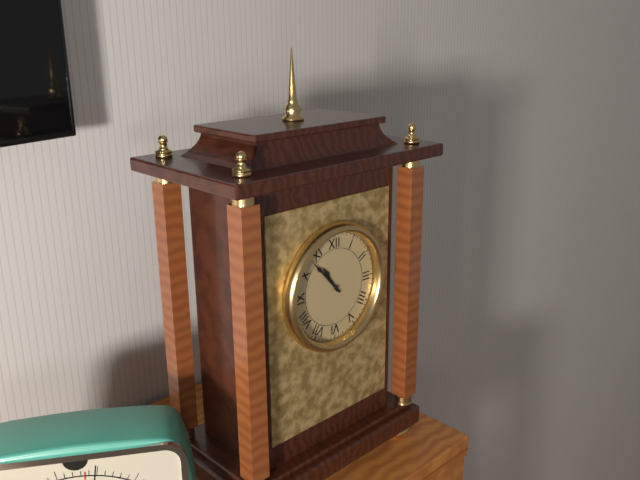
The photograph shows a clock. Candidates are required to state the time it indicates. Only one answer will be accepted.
10:53
